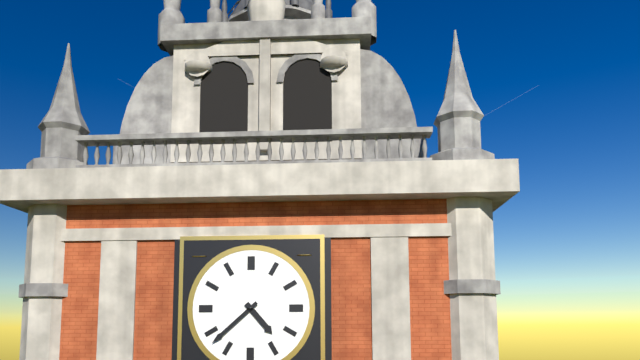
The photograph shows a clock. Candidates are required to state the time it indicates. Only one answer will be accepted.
4:38
